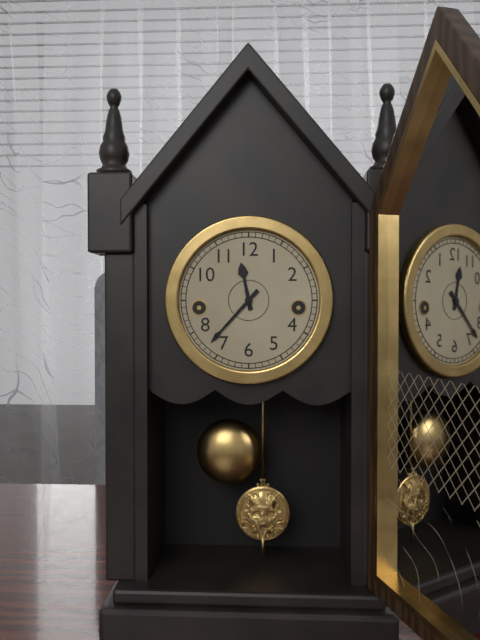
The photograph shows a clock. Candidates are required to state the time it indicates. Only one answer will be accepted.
11:37
